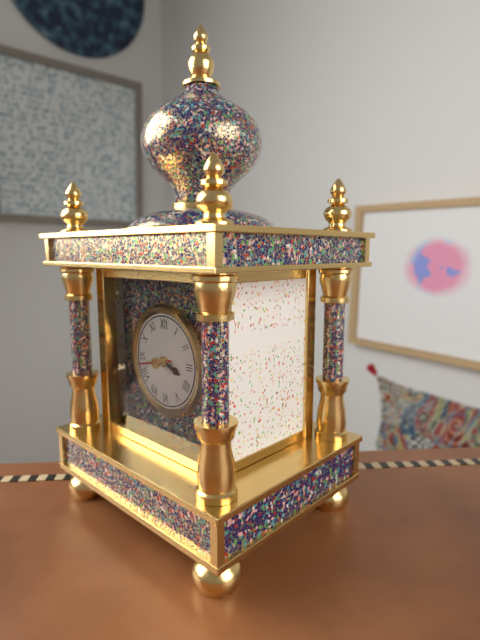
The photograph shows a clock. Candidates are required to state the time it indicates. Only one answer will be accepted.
3:43
